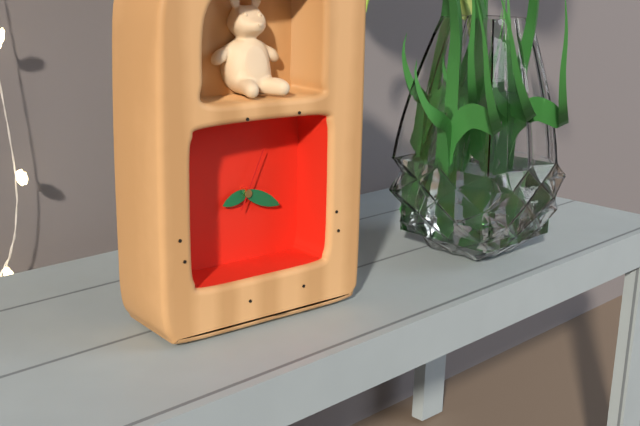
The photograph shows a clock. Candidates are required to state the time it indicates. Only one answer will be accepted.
8:19:04
